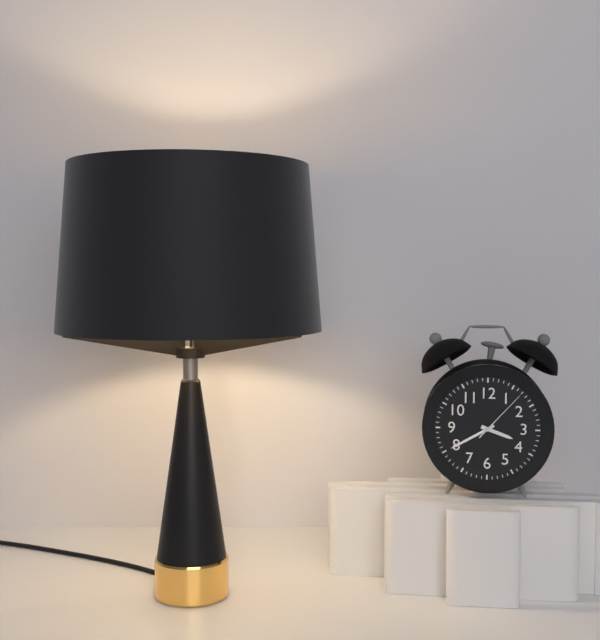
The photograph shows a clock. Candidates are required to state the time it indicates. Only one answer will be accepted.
3:40:07
